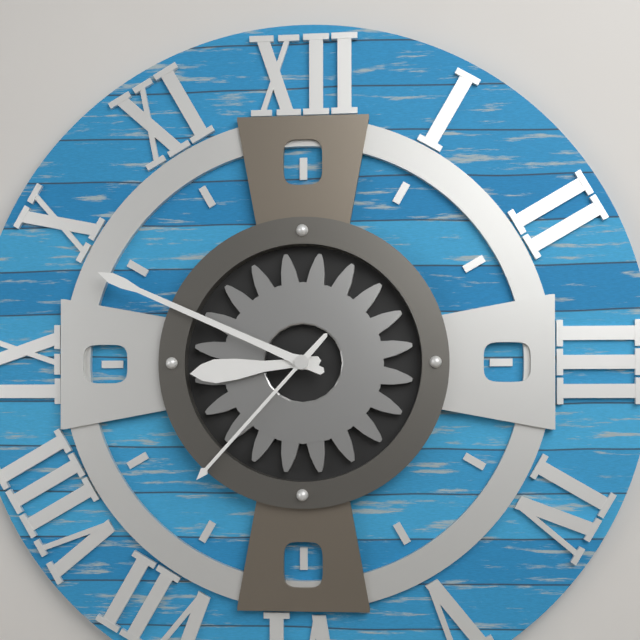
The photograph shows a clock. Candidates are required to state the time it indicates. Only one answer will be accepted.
8:49:37
